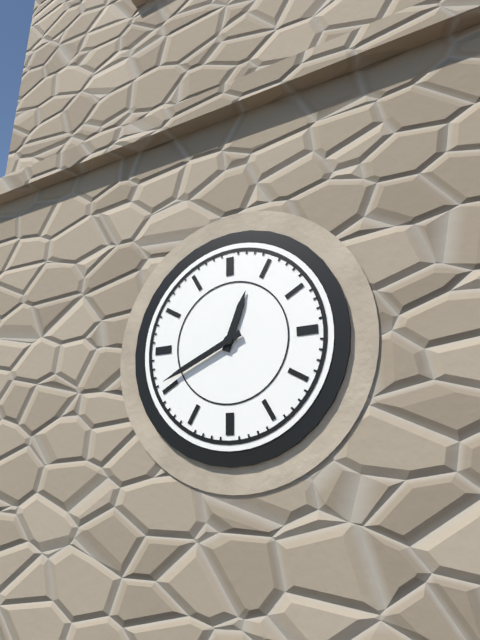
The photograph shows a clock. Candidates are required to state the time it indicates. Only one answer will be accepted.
12:41
